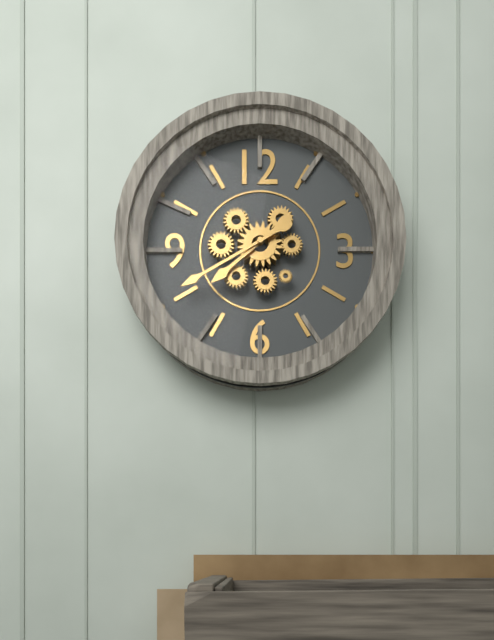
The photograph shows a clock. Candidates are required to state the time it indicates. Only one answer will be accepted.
7:40
